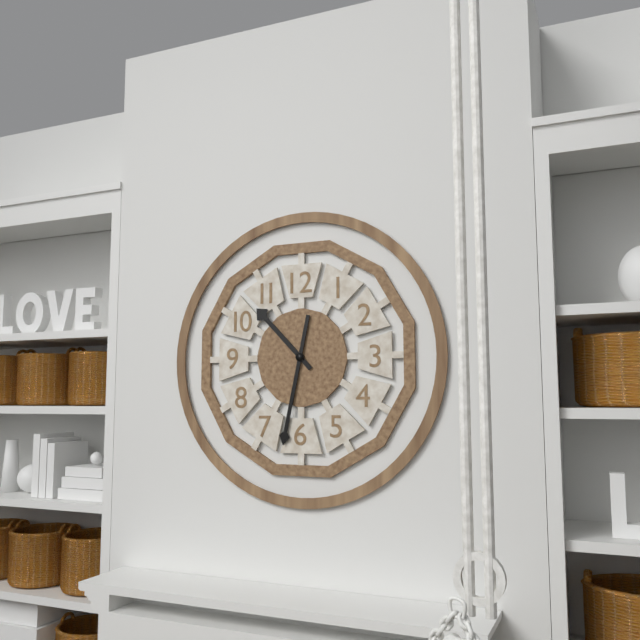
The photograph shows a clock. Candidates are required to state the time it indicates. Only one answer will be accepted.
10:32
